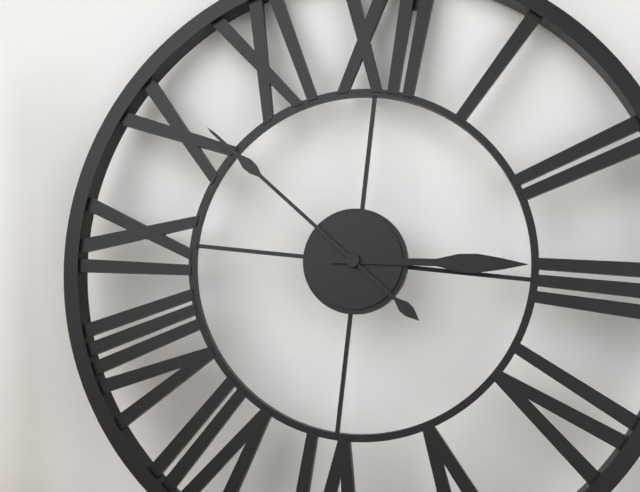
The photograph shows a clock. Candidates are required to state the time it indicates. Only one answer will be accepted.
2:51
